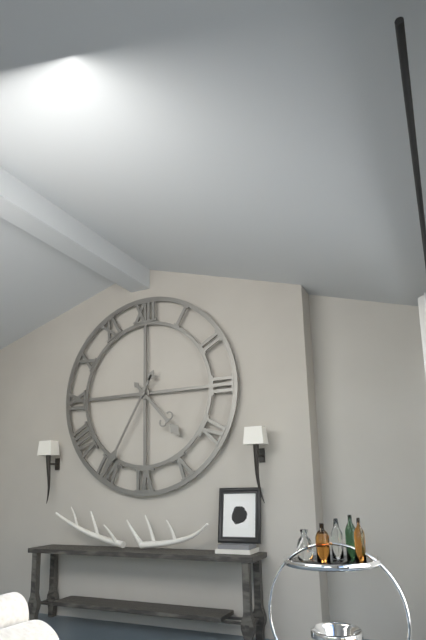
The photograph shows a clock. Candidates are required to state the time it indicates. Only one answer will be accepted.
4:35
